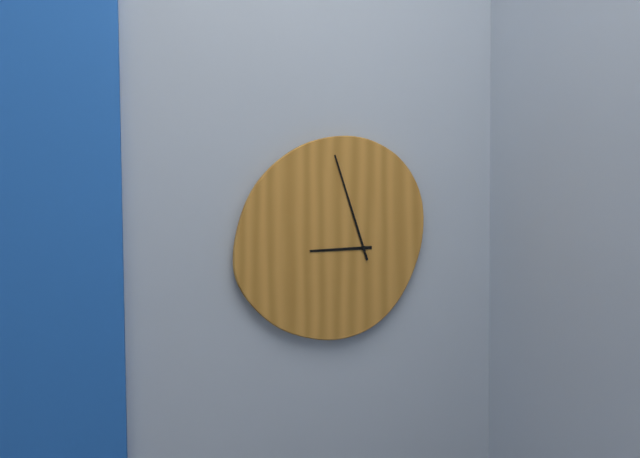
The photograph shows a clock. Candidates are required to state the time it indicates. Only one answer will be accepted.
8:57
